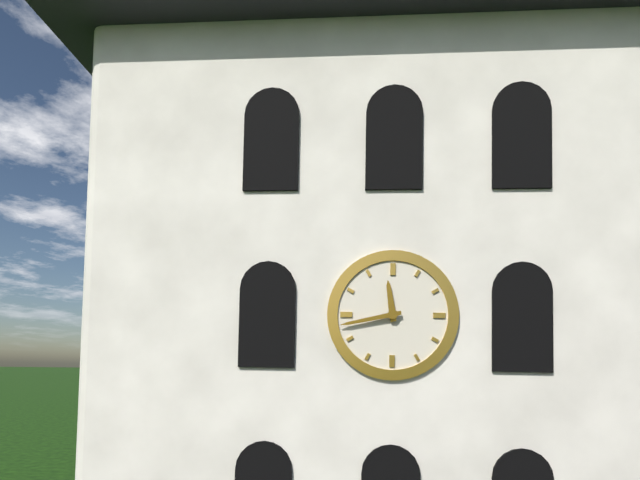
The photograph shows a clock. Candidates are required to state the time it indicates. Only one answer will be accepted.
11:43
